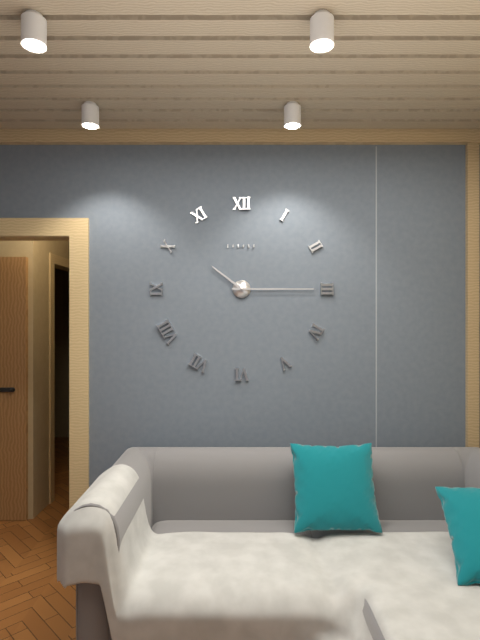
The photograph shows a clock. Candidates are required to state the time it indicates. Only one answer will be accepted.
10:15
